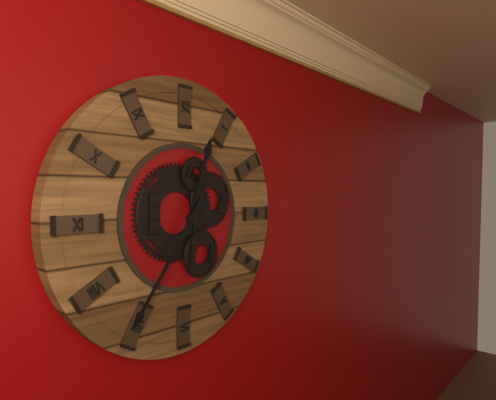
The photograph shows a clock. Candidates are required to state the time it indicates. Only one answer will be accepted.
12:36
